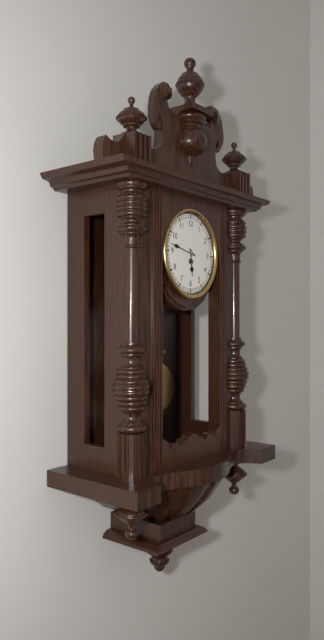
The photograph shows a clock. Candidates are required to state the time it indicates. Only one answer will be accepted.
5:47
